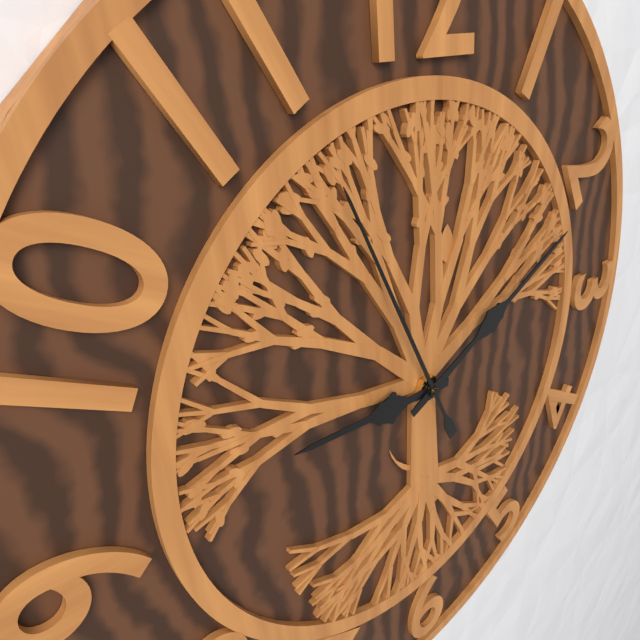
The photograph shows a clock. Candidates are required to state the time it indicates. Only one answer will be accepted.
9:11:56
